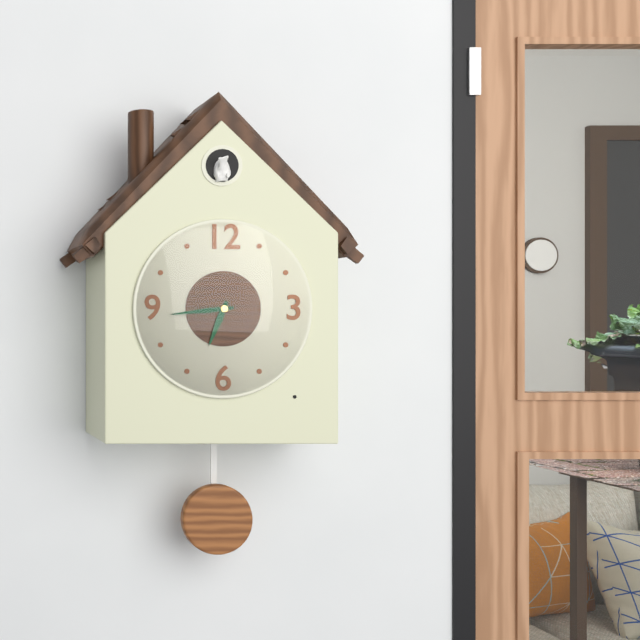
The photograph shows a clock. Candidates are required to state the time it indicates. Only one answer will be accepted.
6:44
